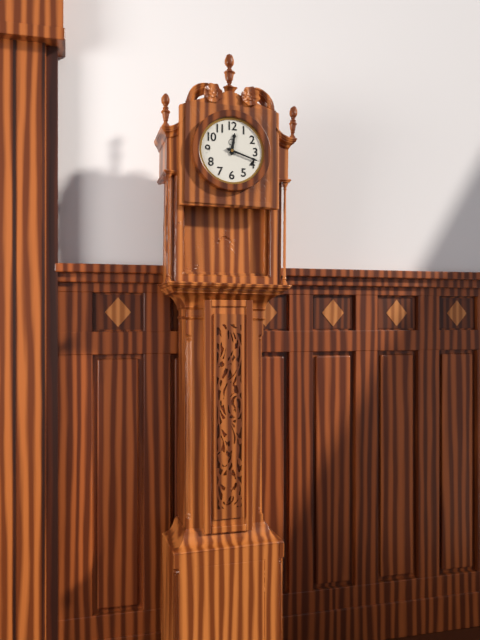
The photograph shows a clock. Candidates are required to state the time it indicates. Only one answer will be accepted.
12:18
